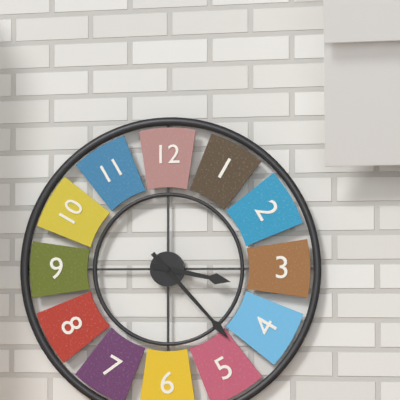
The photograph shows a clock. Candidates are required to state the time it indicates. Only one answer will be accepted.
3:23
